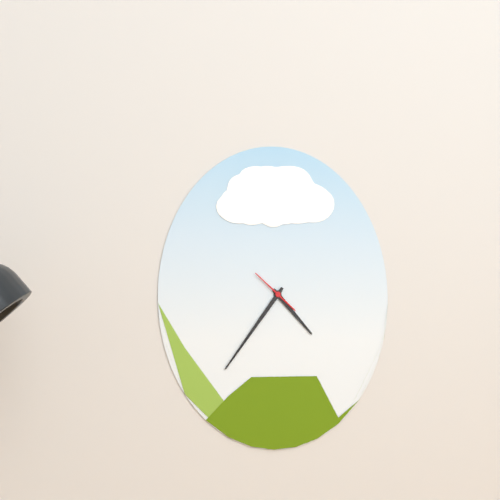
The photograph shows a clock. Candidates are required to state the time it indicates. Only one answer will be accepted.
4:36
